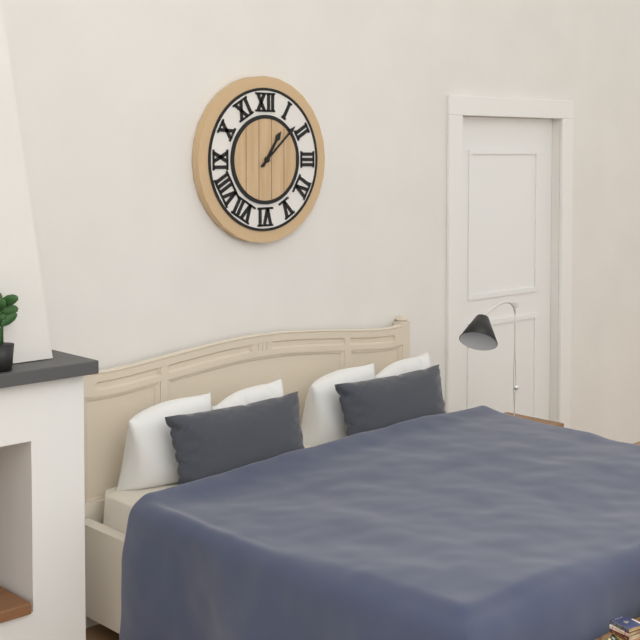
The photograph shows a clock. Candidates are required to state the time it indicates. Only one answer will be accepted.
1:08
